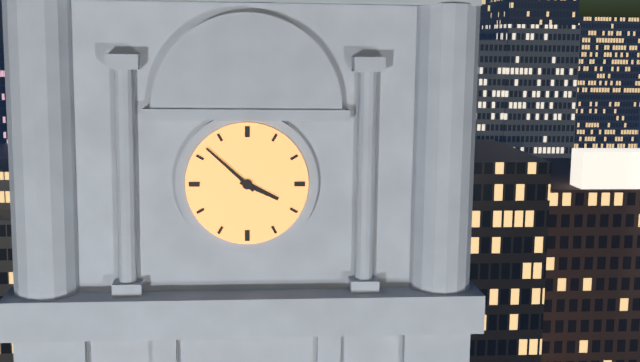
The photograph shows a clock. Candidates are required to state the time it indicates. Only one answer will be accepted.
3:52
